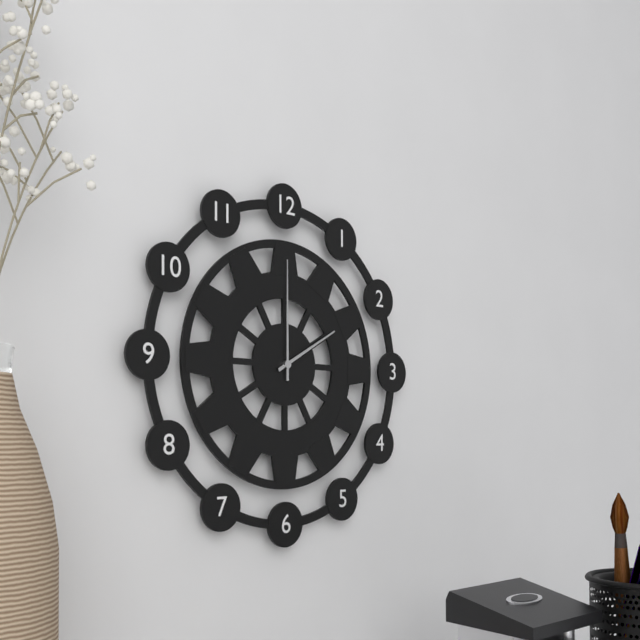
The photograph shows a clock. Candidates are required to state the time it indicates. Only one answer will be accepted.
2:00
